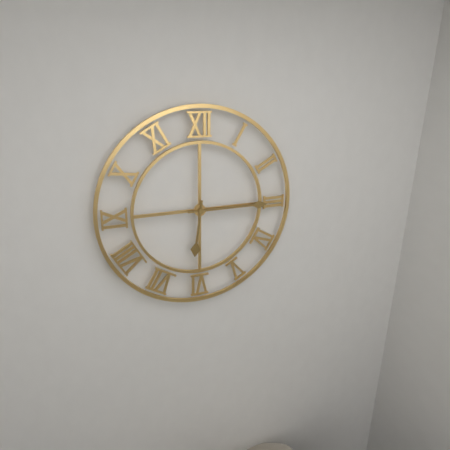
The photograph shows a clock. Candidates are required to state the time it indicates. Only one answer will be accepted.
6:15
